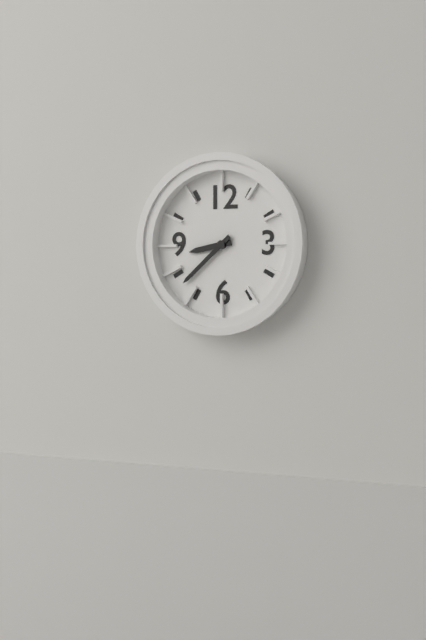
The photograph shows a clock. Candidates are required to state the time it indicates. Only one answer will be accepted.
8:38
